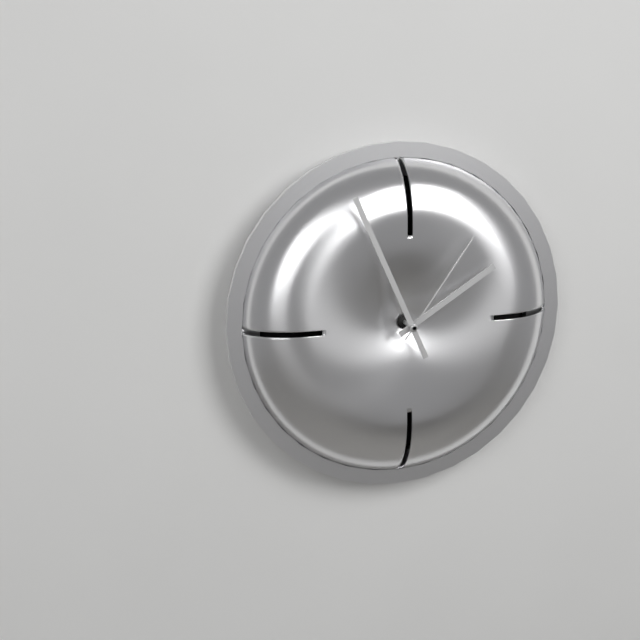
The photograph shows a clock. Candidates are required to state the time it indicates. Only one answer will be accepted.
1:56:06
